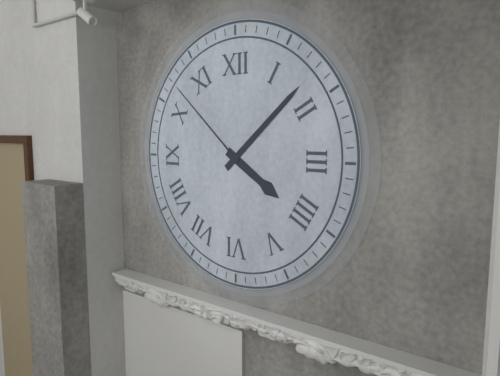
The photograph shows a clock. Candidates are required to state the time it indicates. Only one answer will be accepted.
4:08:52
